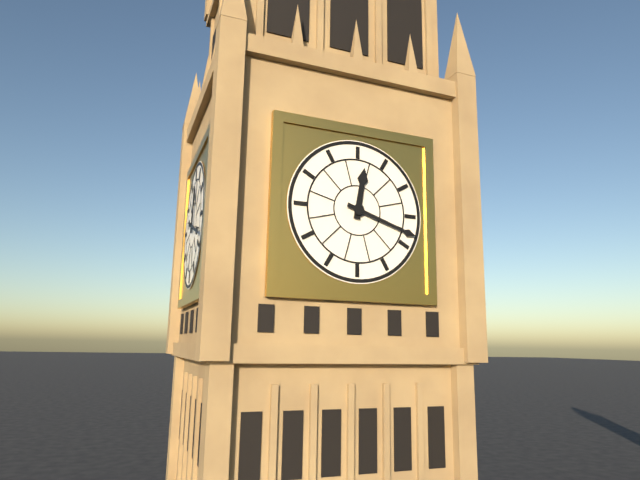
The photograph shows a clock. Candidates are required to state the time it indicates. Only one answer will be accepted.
12:18
